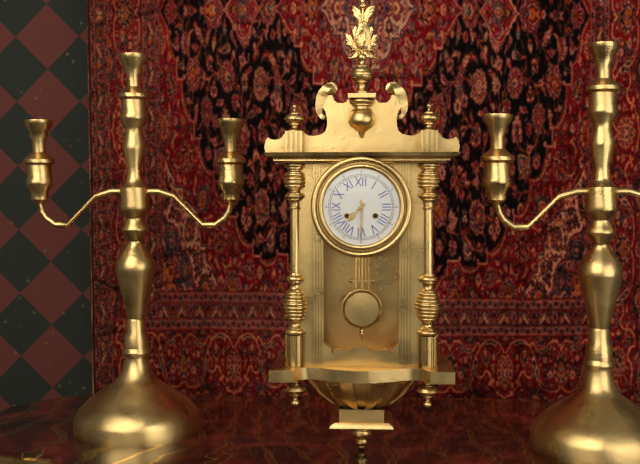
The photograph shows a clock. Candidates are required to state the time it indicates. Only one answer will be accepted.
7:30
